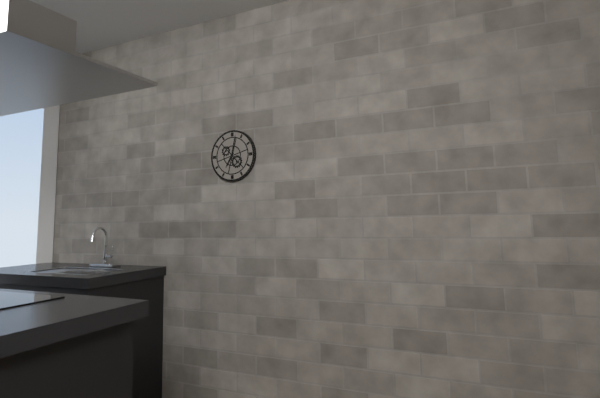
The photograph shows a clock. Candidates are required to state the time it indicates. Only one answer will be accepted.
7:02
